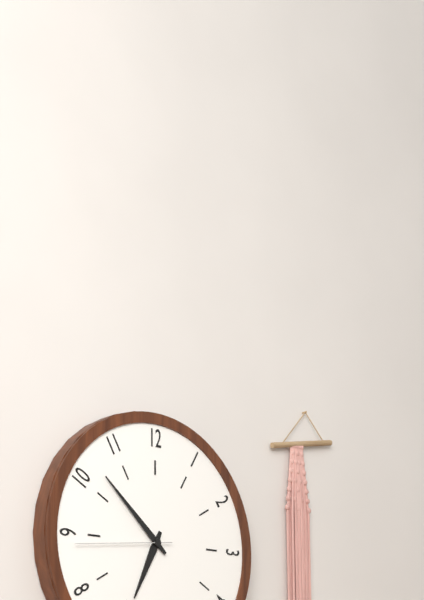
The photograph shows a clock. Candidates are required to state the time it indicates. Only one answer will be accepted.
6:52:44
